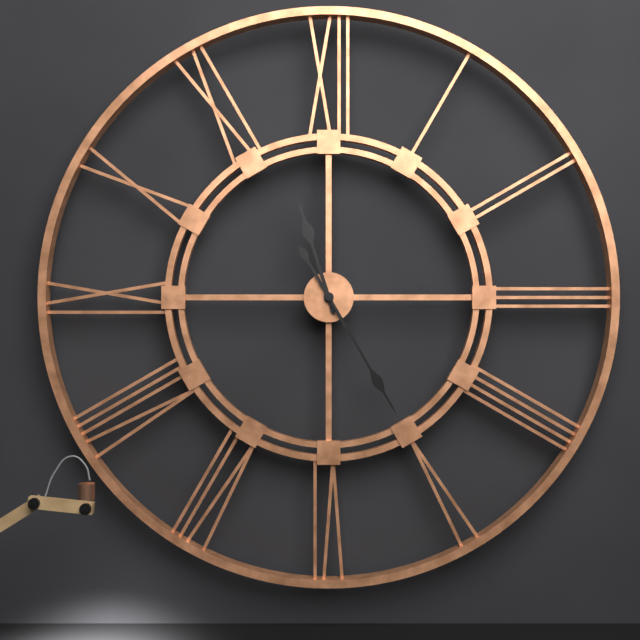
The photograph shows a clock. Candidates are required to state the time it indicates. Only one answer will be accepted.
11:25
